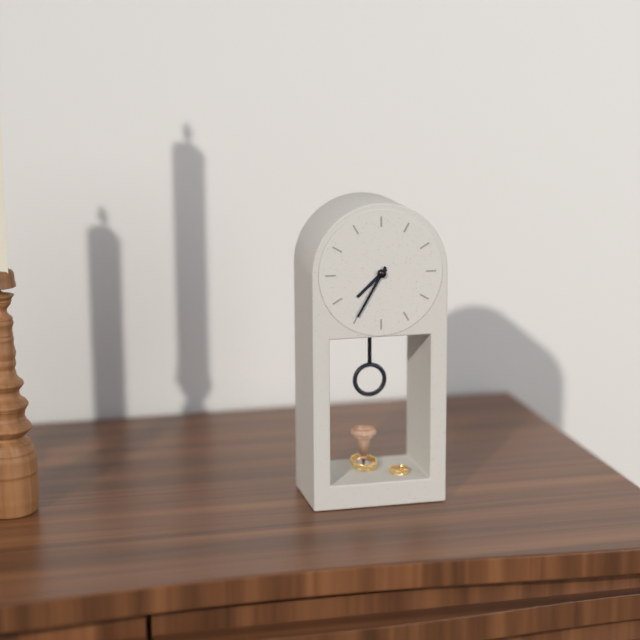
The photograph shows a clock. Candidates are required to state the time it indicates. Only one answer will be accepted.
7:35
